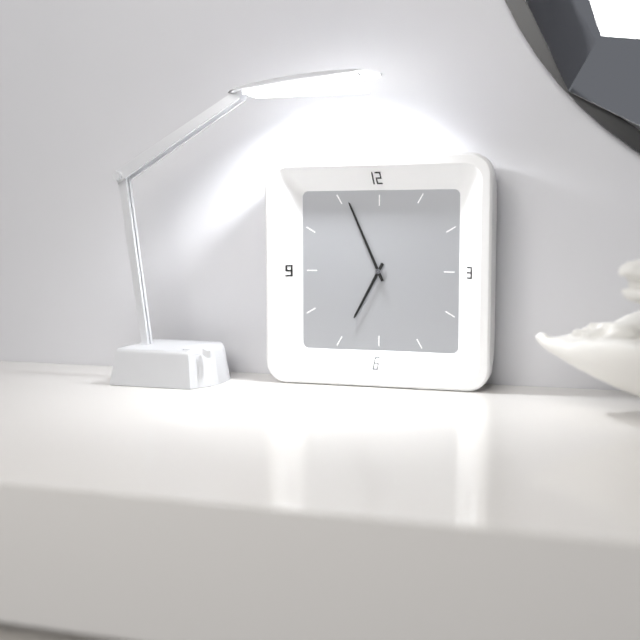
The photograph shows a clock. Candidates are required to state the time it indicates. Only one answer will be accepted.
6:56
